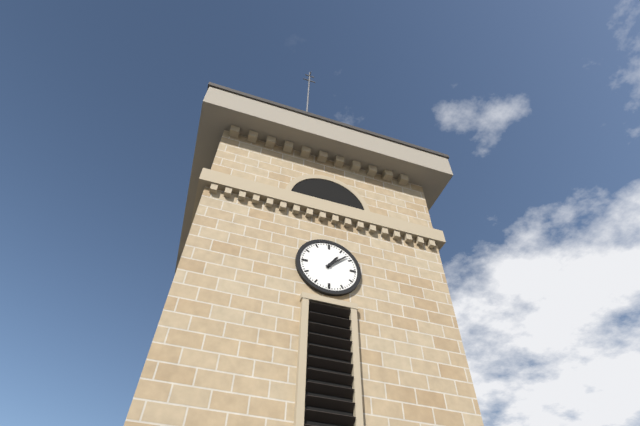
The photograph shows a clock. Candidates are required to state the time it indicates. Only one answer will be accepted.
1:08
